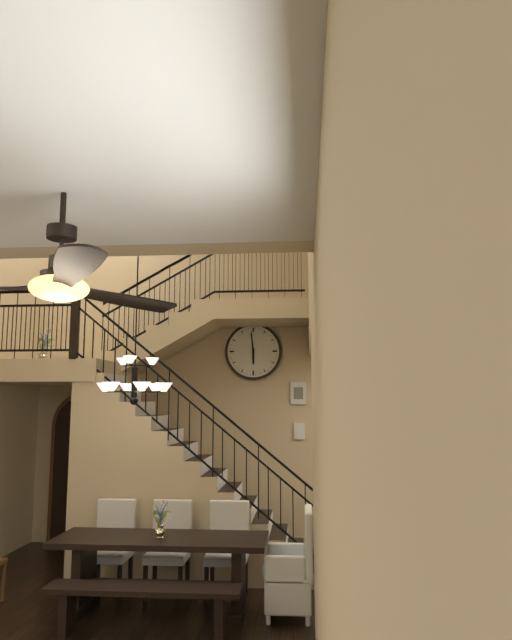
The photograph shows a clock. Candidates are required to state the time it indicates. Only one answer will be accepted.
5:59
